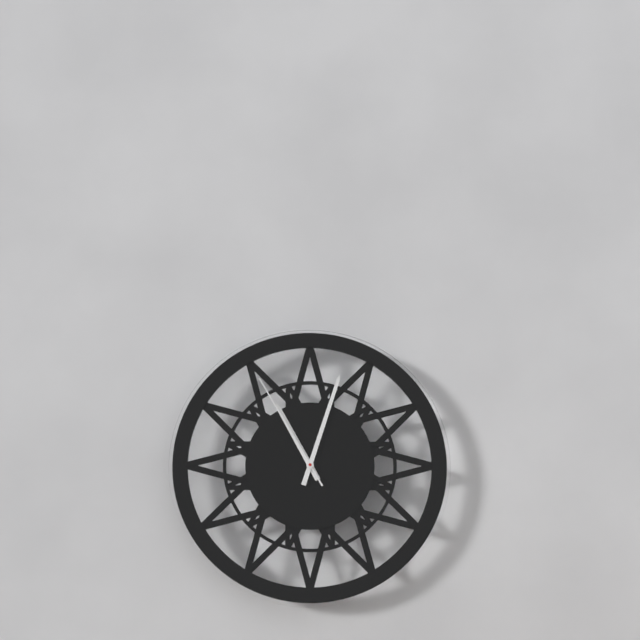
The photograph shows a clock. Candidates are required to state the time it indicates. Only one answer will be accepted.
11:03:55
